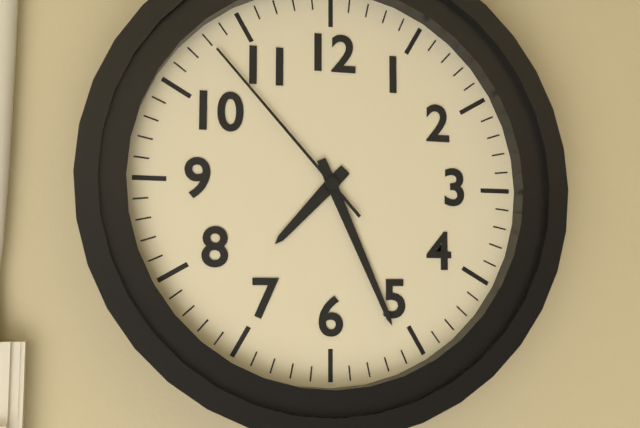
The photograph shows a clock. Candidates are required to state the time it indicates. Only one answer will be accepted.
7:26:53
